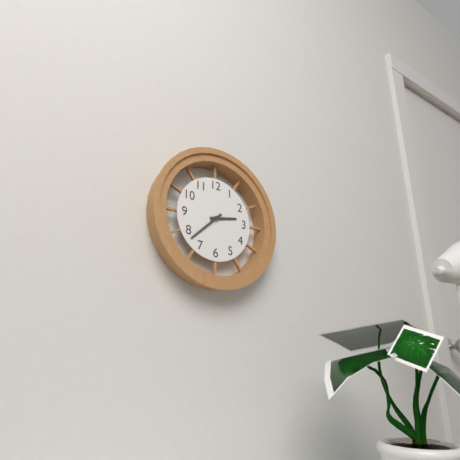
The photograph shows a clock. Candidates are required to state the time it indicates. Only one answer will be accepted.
2:38
